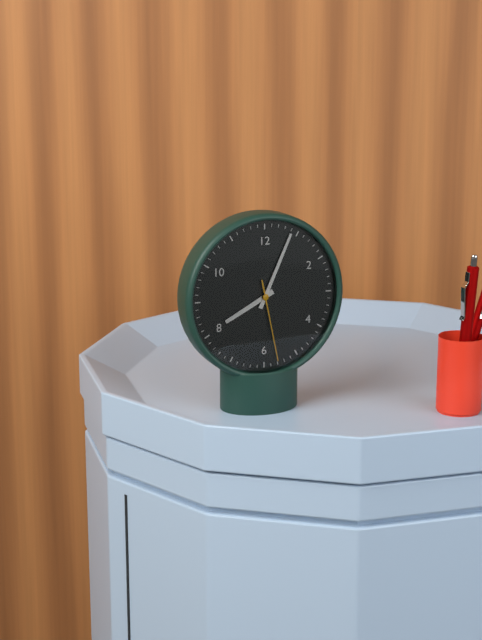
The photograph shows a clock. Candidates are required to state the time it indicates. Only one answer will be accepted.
8:04:28
